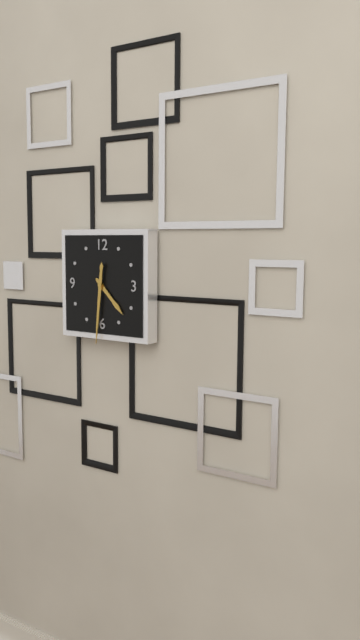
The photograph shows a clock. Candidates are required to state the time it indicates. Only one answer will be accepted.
4:31
